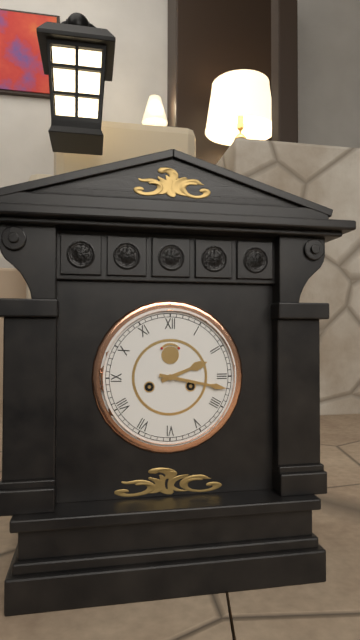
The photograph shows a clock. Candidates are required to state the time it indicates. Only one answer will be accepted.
2:17
